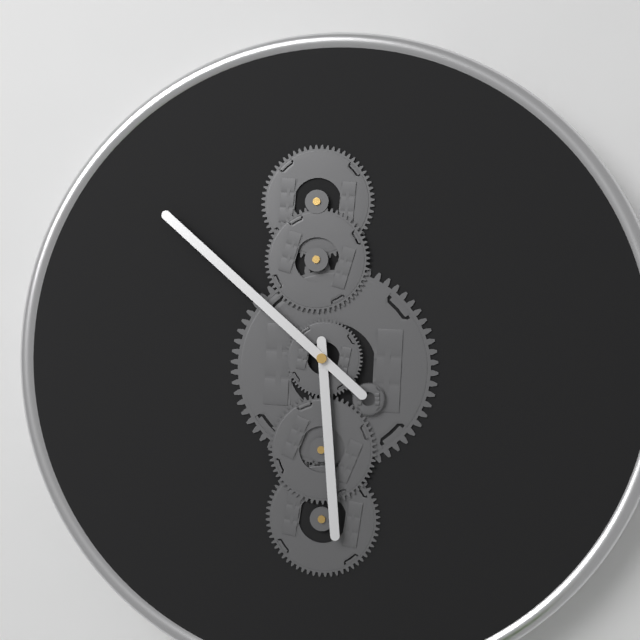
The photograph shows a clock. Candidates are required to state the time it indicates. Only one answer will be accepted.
5:52
